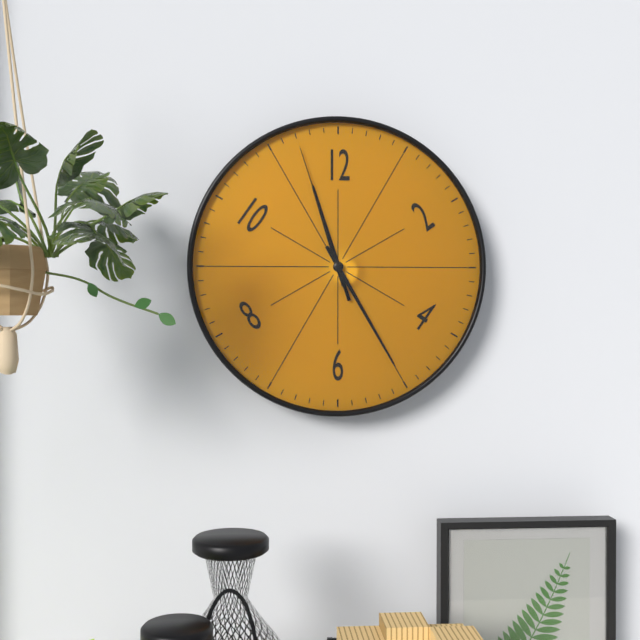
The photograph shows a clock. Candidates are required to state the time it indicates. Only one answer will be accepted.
11:25:57
